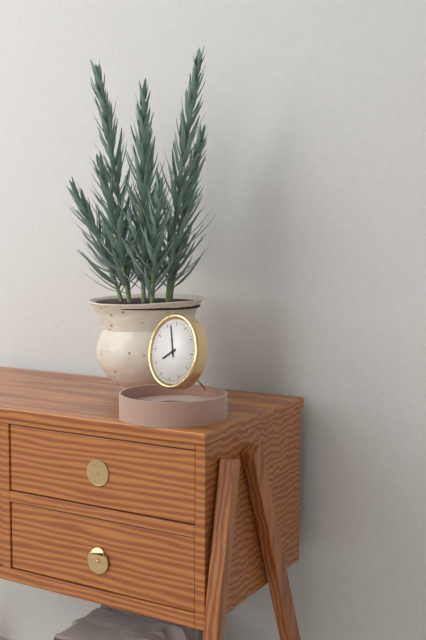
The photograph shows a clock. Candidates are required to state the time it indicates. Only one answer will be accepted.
7:57
